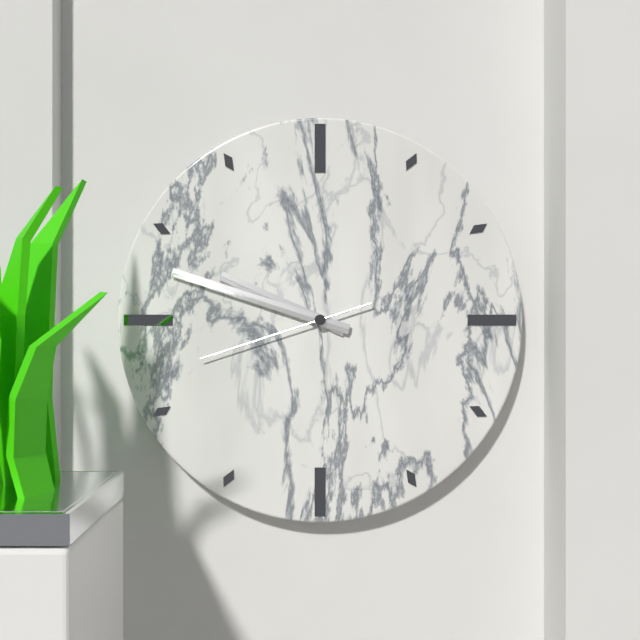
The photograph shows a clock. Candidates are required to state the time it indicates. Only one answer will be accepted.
9:48:42
